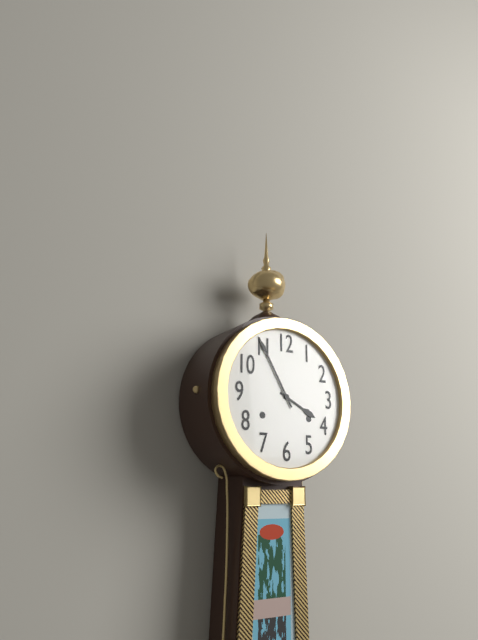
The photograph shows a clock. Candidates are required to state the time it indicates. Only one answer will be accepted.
3:55
